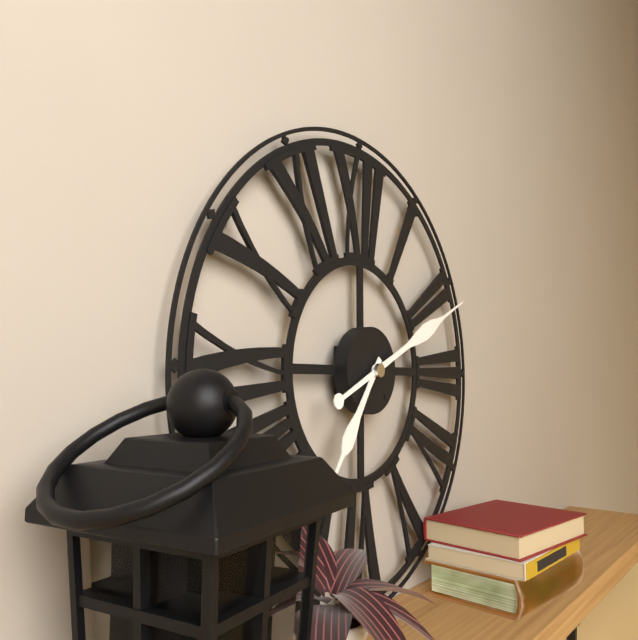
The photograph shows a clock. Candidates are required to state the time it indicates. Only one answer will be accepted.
7:11
